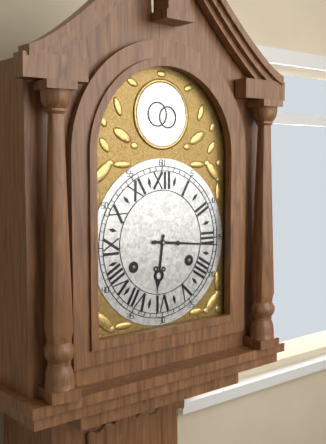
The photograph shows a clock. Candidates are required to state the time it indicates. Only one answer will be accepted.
6:16
